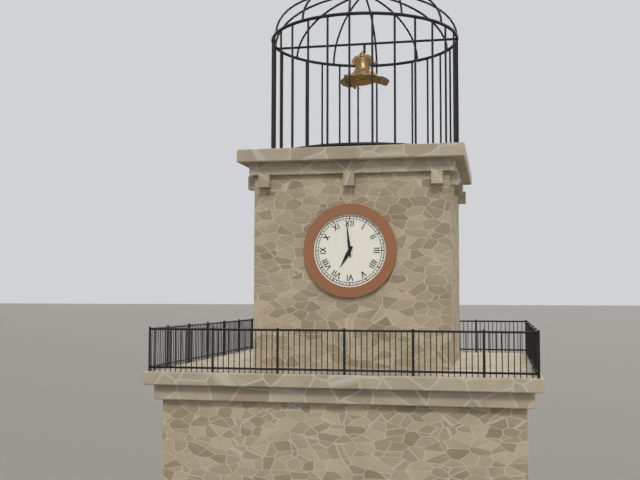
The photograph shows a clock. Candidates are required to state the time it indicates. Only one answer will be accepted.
6:59
